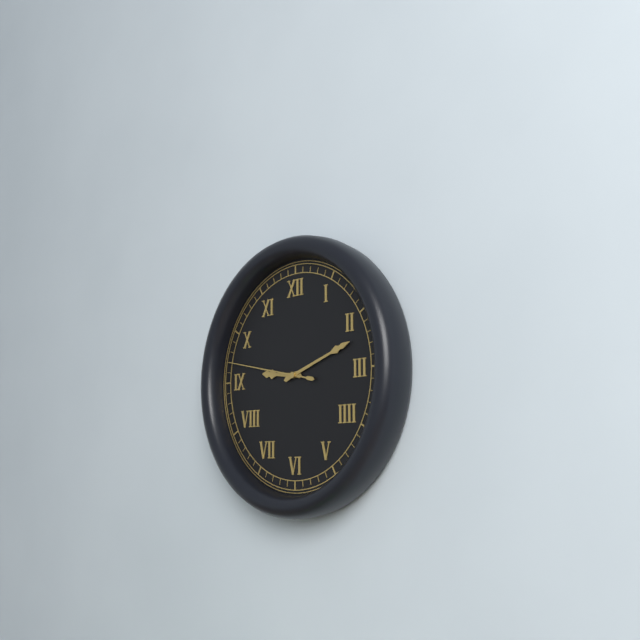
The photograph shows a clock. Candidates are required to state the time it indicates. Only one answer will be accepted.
9:12:47
